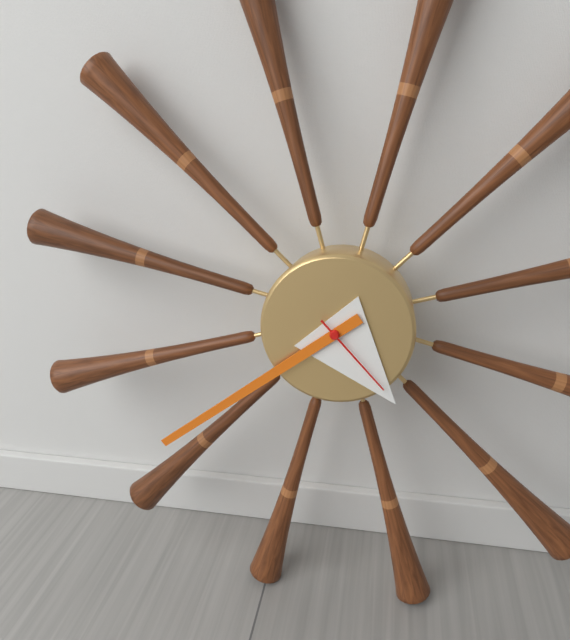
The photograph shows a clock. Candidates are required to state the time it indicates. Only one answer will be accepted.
4:39:23
